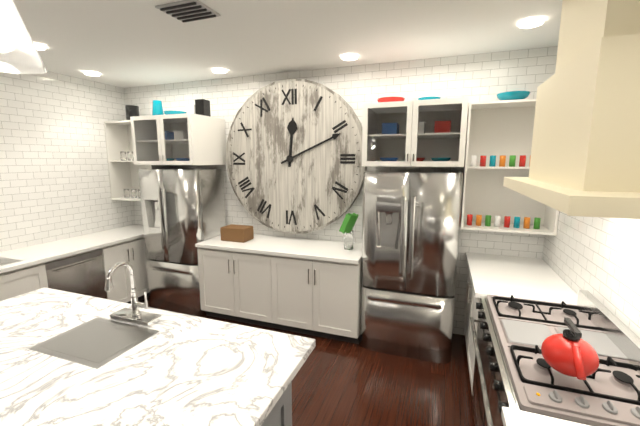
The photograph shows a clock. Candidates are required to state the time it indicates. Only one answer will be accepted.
12:11
